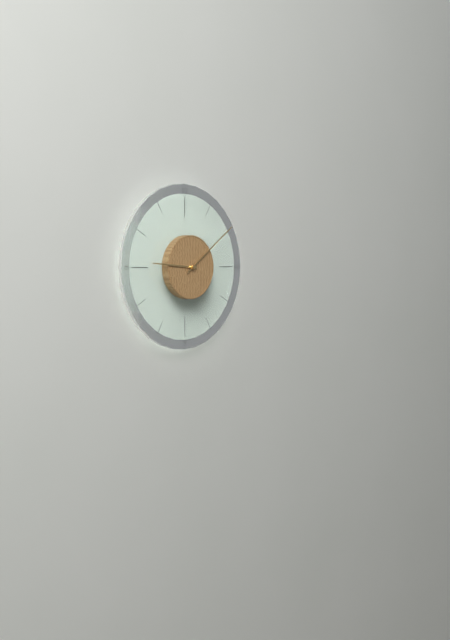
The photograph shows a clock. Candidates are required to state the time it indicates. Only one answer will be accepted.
9:09
